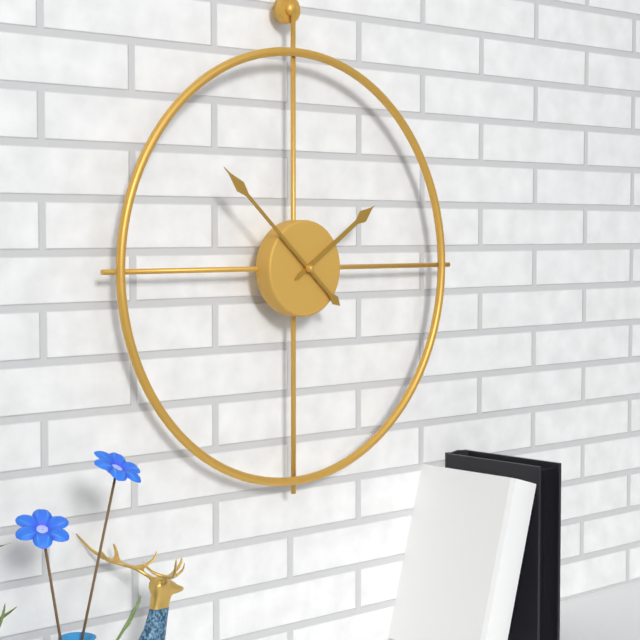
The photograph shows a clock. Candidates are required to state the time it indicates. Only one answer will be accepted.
1:52
